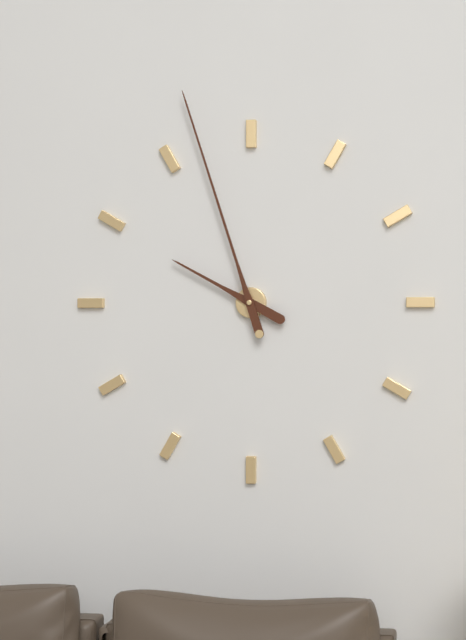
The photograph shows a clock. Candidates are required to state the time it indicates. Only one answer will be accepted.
9:57
